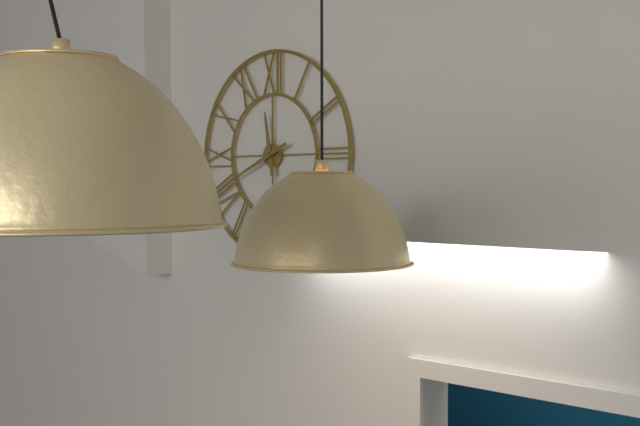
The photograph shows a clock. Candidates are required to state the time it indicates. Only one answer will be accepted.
11:41
